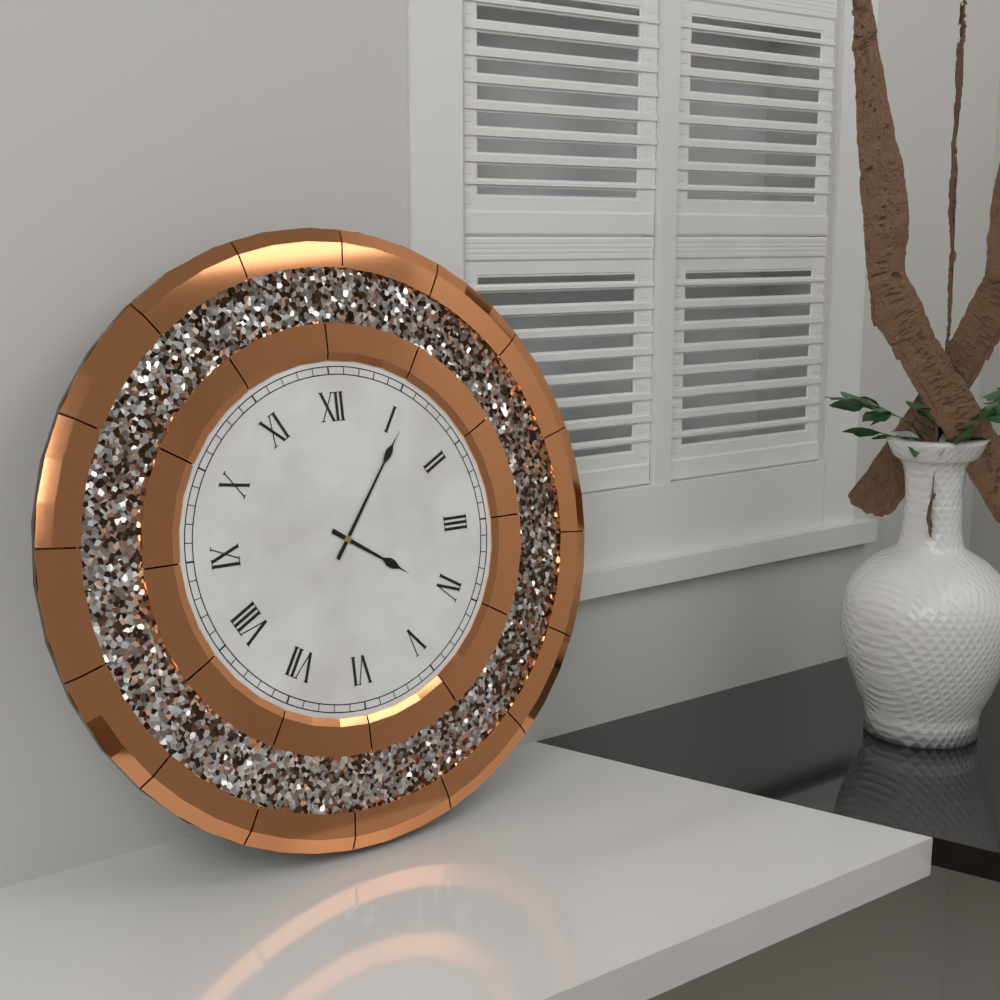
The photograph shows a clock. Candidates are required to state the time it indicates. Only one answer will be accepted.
4:06
